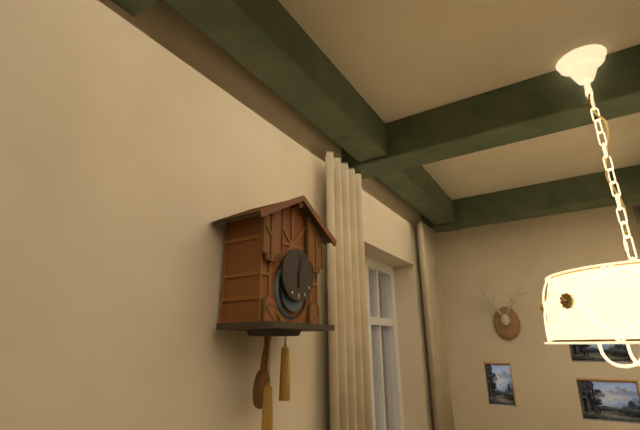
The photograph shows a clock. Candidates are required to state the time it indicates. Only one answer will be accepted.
6:02
